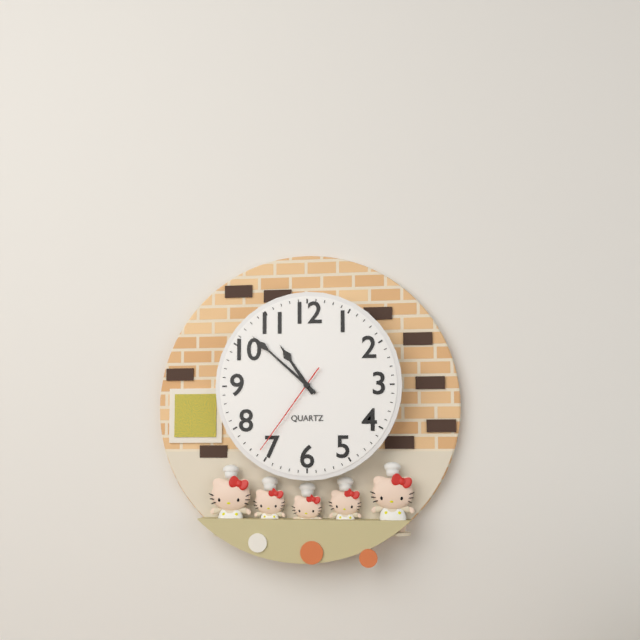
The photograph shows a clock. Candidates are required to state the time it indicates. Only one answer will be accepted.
10:52:36
